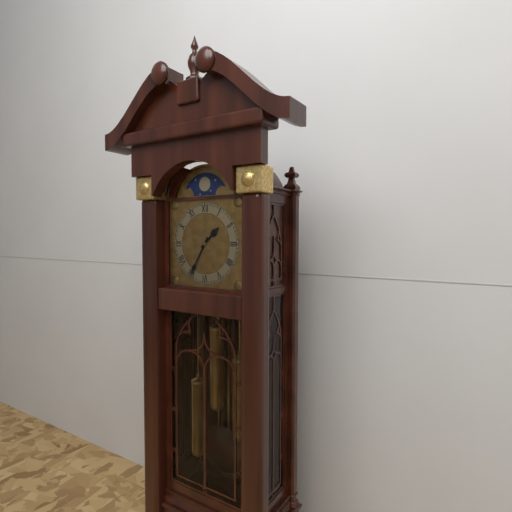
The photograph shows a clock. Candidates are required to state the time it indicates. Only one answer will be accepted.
1:35
